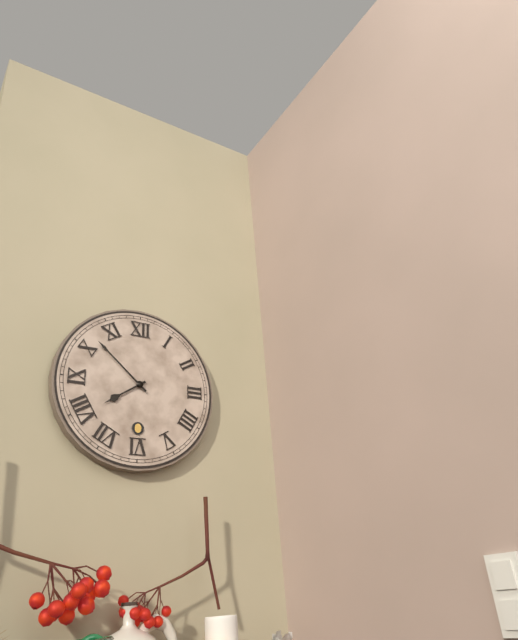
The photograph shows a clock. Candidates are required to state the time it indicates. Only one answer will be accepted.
7:52
